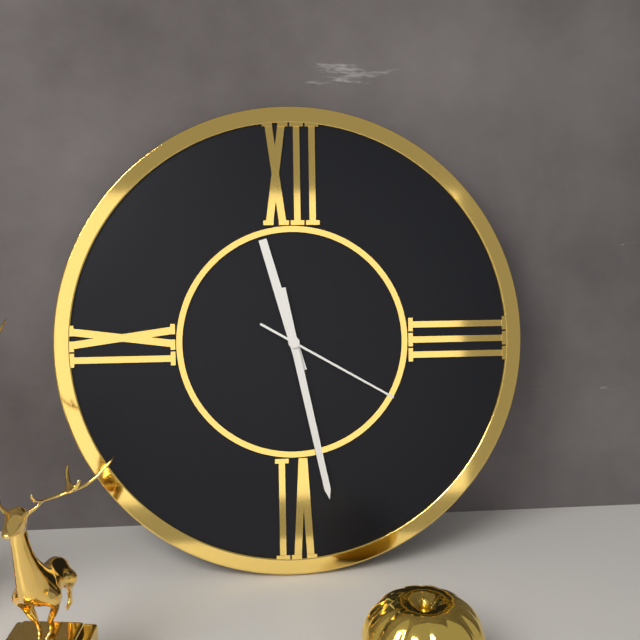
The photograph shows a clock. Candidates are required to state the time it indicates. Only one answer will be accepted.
11:28:20
